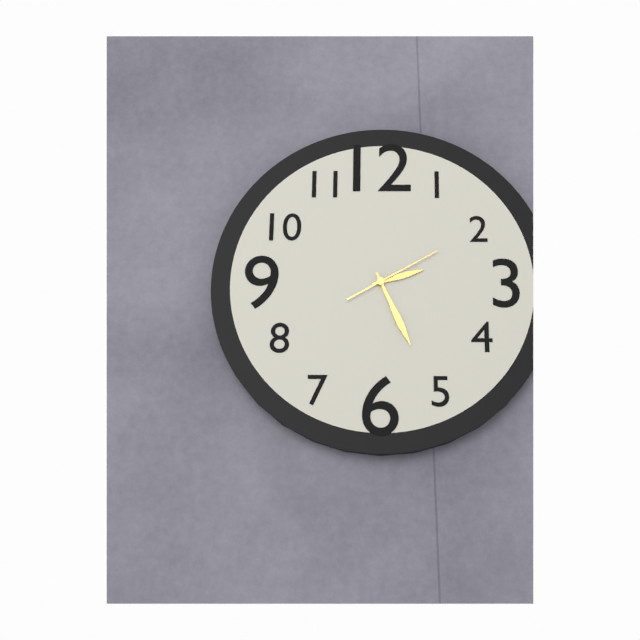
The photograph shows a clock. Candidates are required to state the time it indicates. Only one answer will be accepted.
2:26:10
